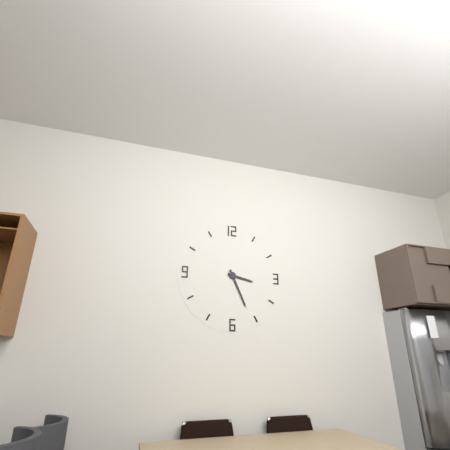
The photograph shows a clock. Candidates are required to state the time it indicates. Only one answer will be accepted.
3:26
